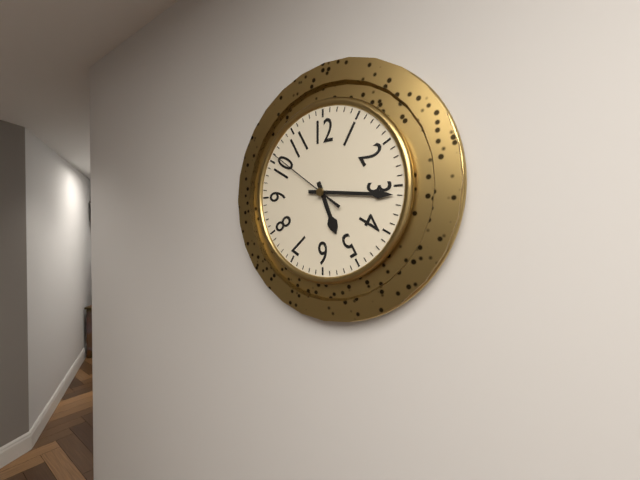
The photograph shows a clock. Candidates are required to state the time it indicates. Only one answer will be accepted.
5:16:51
